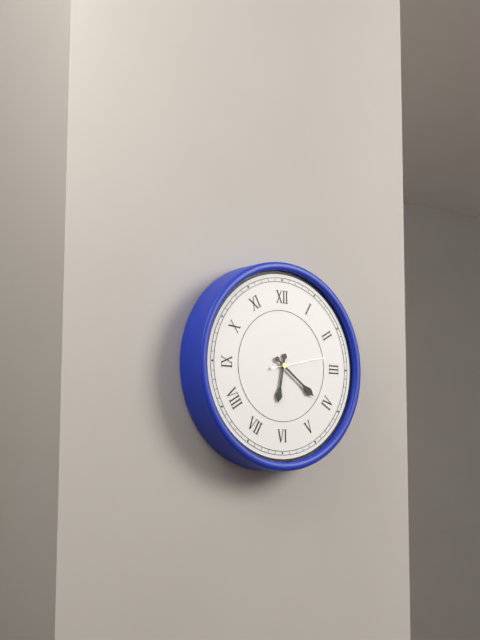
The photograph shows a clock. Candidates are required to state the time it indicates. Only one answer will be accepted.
6:21:13
